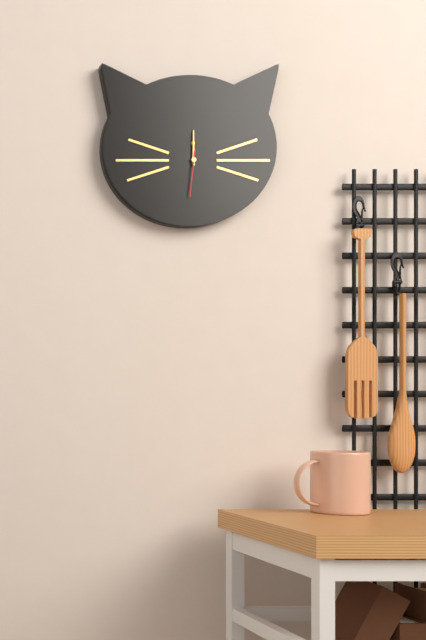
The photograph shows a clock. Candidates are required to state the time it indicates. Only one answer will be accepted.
12:00
